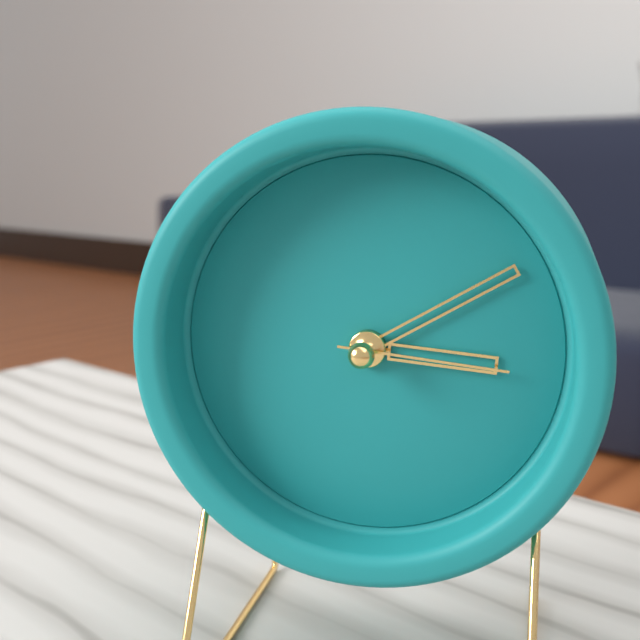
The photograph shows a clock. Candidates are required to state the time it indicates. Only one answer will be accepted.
3:10:16
